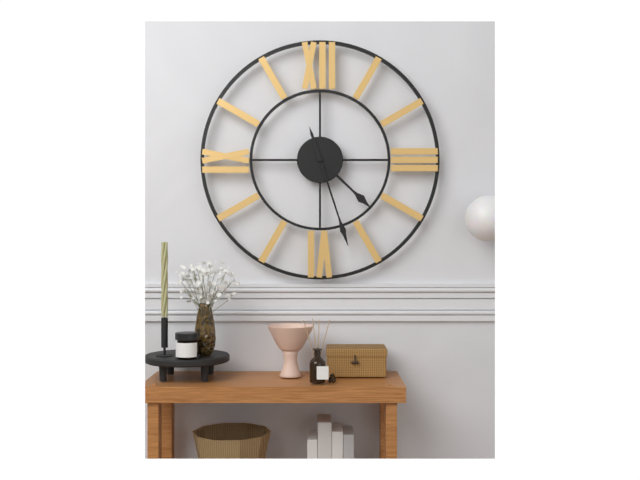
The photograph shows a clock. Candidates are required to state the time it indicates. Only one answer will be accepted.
4:27
